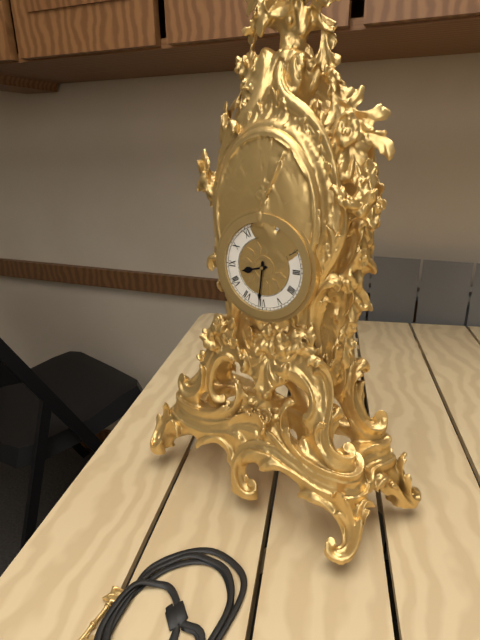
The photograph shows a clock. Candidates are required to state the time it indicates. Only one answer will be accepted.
8:31
